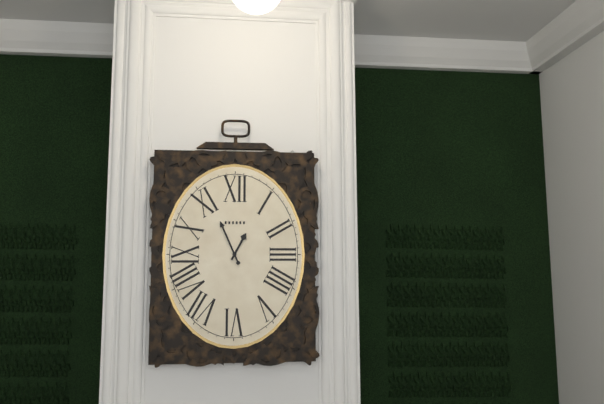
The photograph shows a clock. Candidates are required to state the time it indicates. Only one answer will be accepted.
12:56
